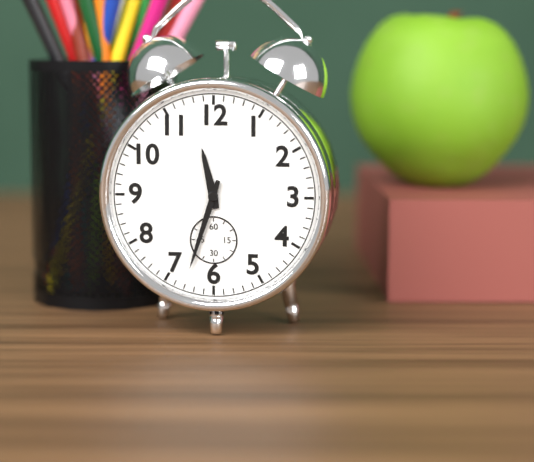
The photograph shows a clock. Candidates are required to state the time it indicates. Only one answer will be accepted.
11:33
